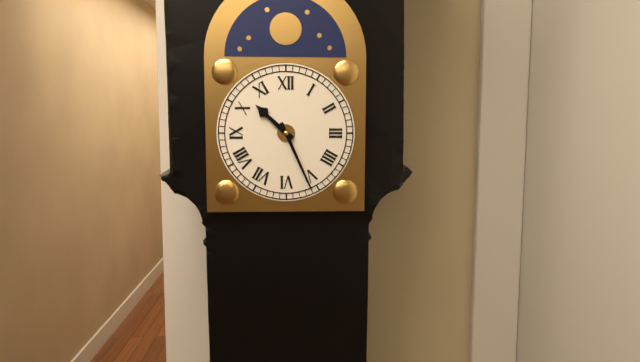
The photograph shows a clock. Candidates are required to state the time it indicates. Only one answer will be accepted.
10:26
